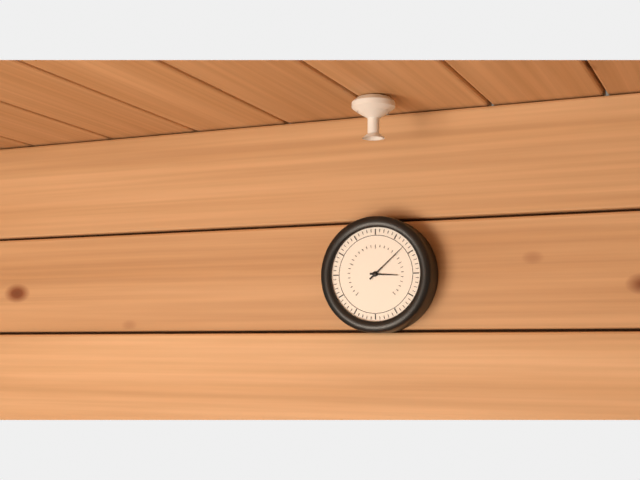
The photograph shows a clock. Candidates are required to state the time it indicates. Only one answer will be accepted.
3:08
